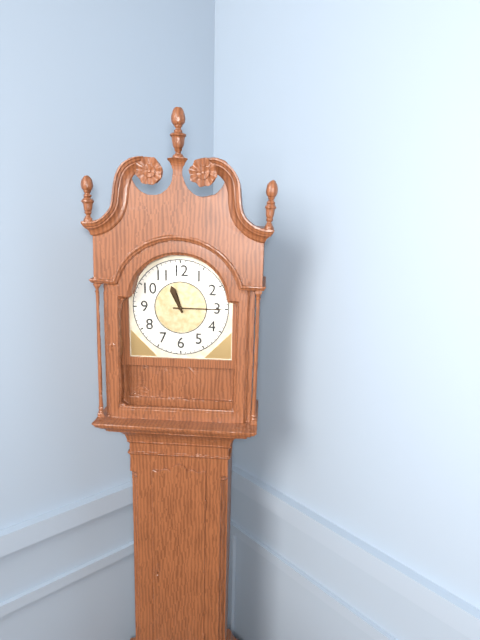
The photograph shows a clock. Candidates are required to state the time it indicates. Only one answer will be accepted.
11:15
